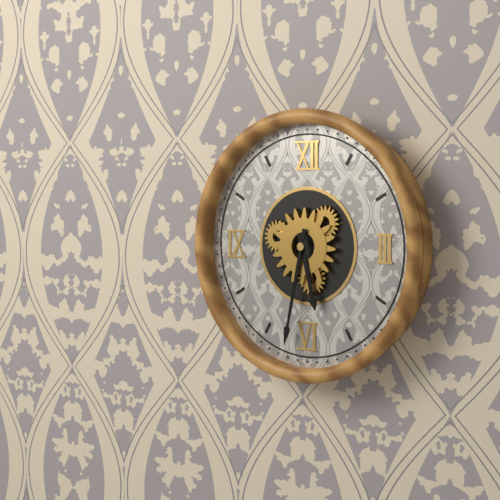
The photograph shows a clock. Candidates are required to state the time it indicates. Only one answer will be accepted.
5:32
